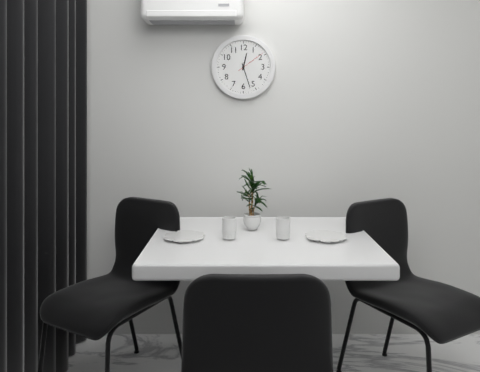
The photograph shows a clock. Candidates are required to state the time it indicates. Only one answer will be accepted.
12:27
